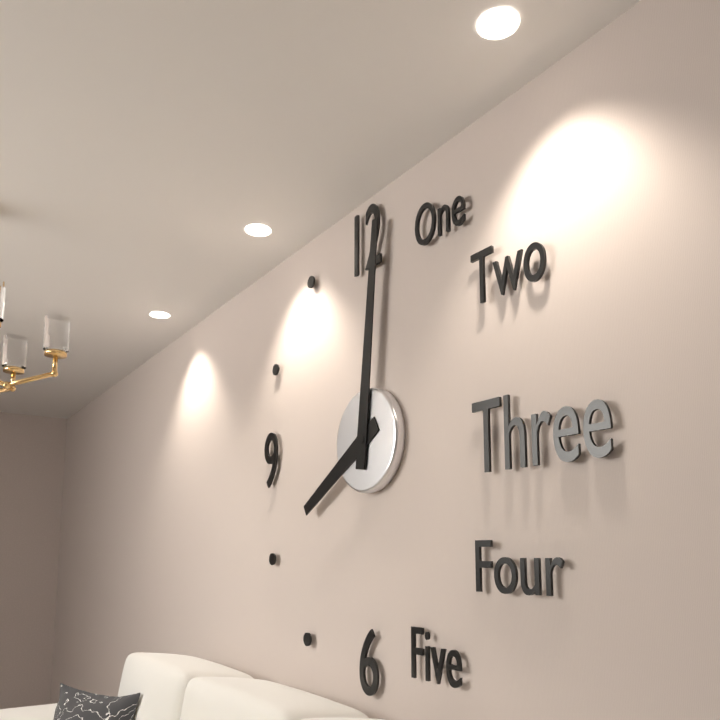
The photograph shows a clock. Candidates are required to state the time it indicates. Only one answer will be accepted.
8:01
